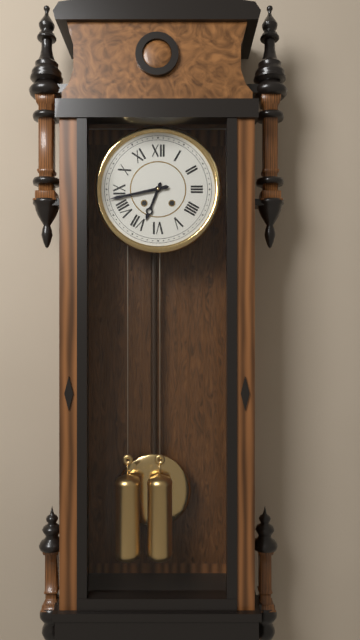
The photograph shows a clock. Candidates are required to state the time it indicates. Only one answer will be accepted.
6:43
